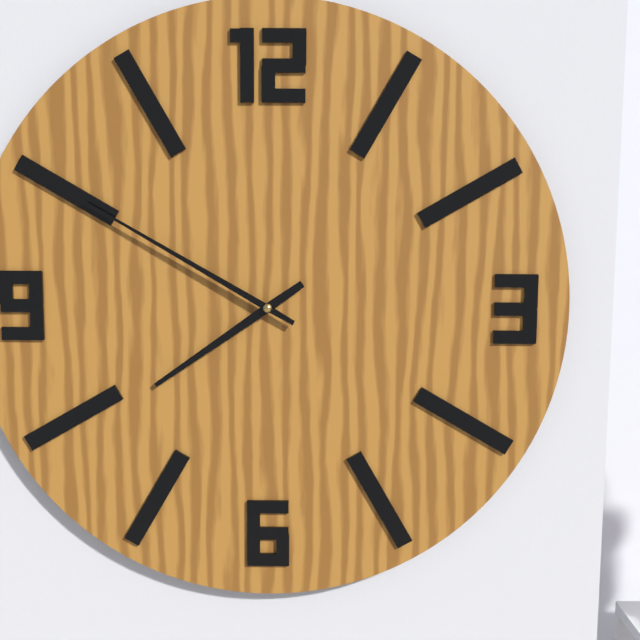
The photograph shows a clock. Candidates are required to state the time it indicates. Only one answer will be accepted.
7:50
